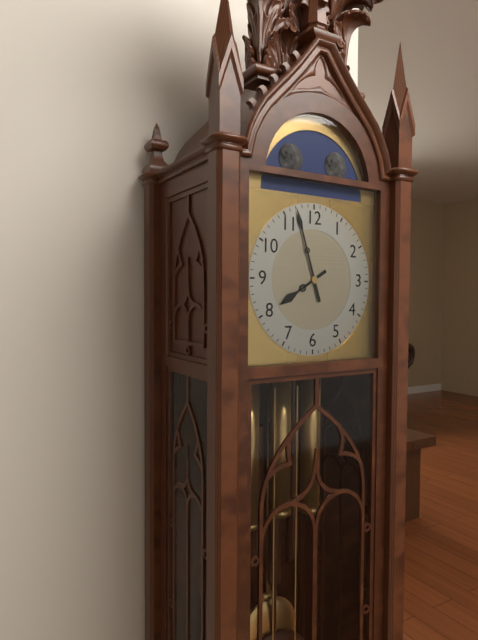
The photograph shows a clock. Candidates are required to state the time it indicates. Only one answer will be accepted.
7:57
